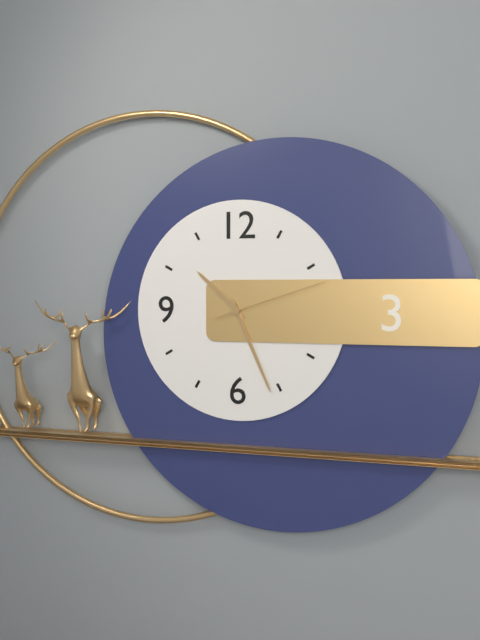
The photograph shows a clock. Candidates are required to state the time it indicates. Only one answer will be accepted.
10:26:12
